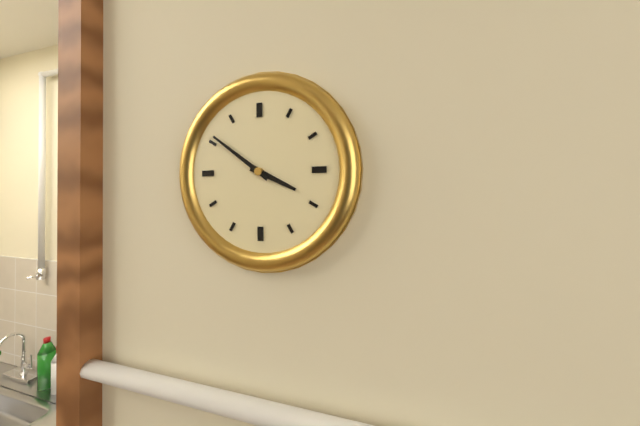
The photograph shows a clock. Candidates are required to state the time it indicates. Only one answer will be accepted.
3:51
